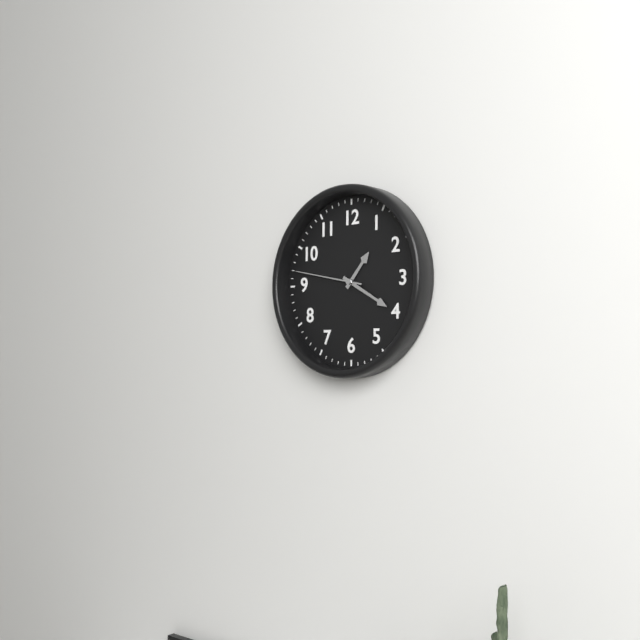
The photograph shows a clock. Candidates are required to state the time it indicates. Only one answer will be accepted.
1:20:47
